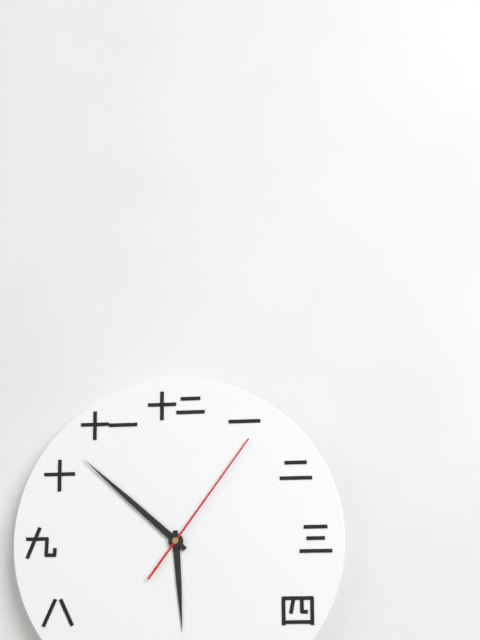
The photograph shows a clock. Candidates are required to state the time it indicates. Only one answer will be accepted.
5:52:06
